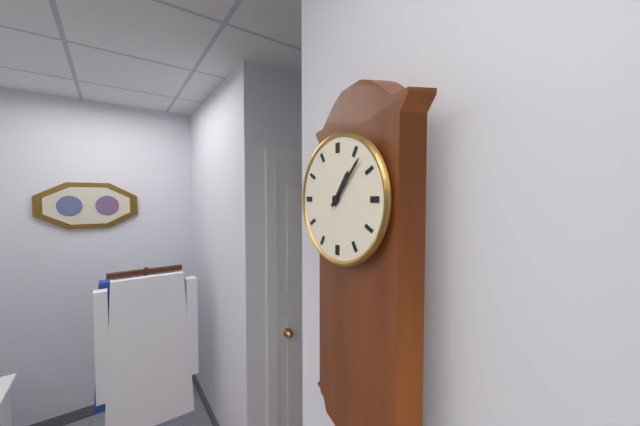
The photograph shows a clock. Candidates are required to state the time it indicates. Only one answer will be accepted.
1:07
